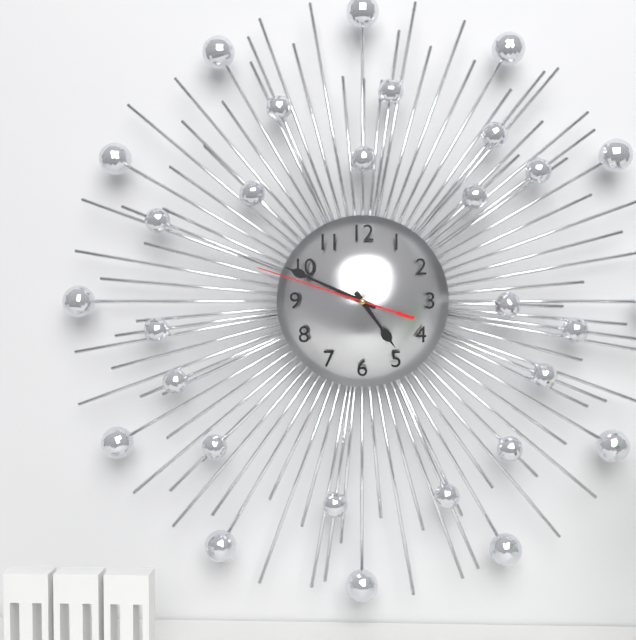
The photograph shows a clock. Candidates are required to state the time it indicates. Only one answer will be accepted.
4:49:48
